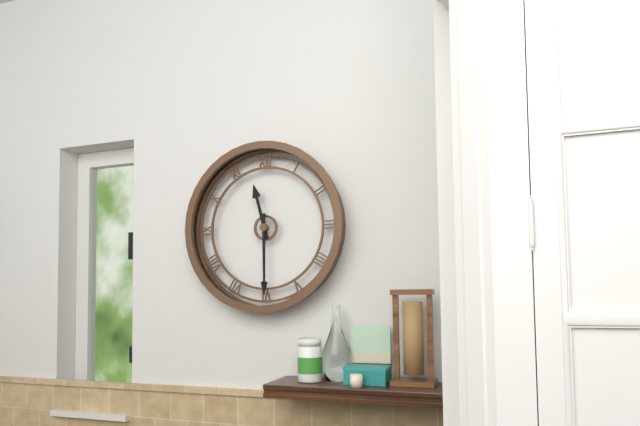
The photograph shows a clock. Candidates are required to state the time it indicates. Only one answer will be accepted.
11:30
